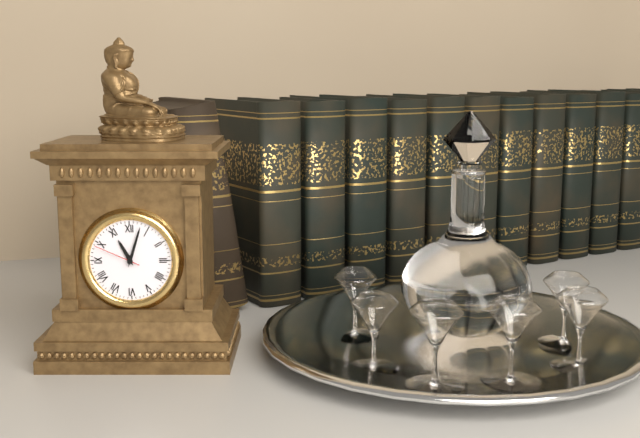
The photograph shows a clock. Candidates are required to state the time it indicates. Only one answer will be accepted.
11:03
